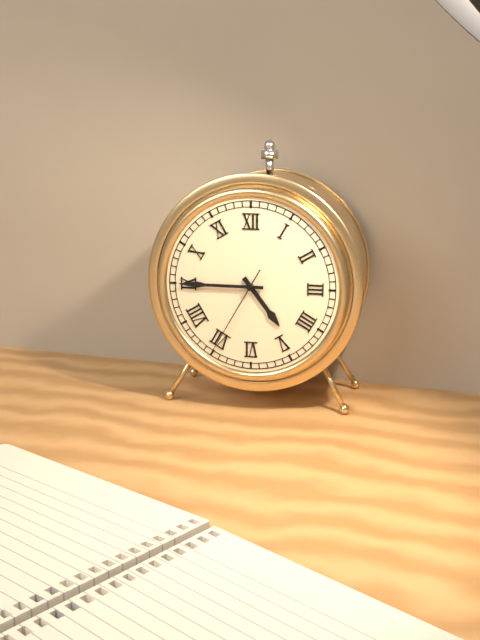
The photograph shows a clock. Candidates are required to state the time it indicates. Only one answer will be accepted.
4:45:35
